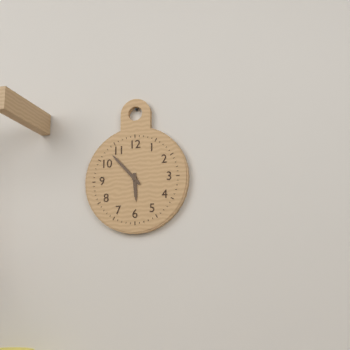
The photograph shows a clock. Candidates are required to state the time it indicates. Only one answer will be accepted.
5:53
